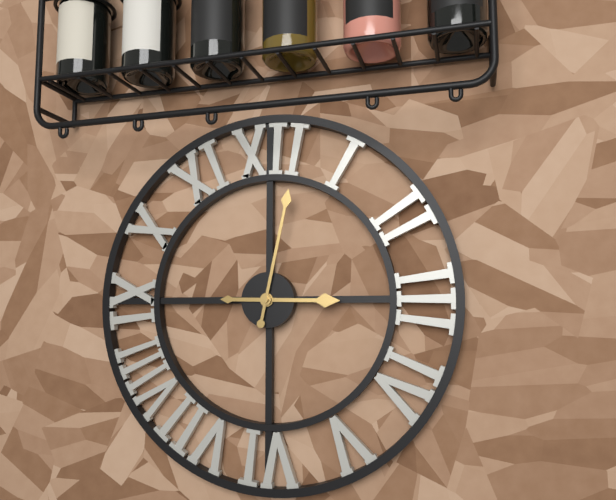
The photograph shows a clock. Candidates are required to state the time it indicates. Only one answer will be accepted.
3:02
